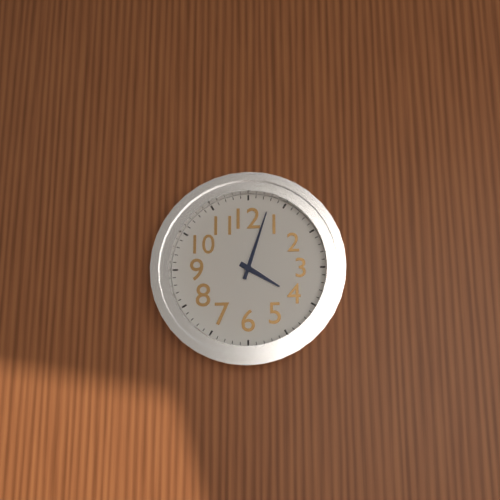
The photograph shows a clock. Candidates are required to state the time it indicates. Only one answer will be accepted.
4:03
